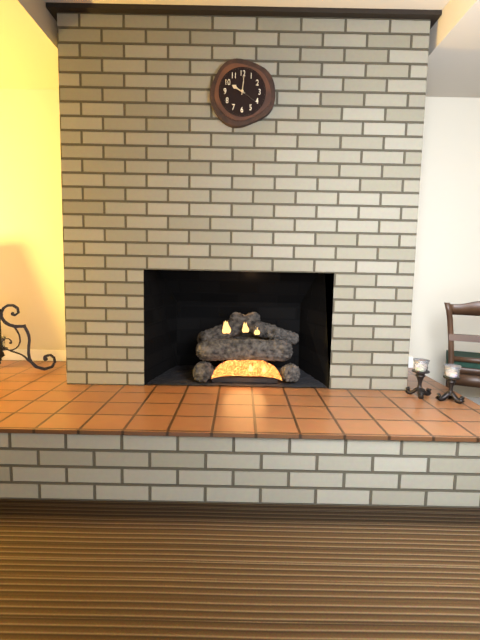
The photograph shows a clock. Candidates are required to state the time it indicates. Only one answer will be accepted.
10:01
